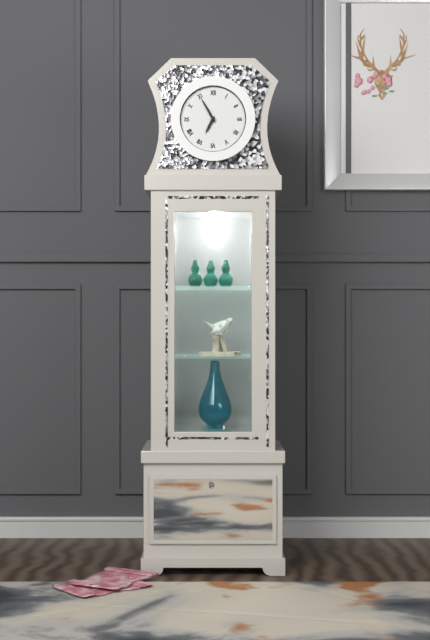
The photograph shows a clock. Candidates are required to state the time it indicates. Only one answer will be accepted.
6:55
